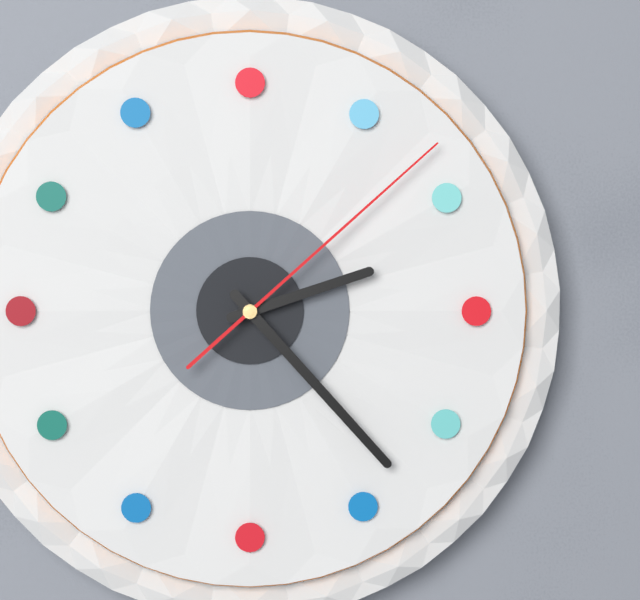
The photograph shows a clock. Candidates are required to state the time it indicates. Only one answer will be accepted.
2:23:08
